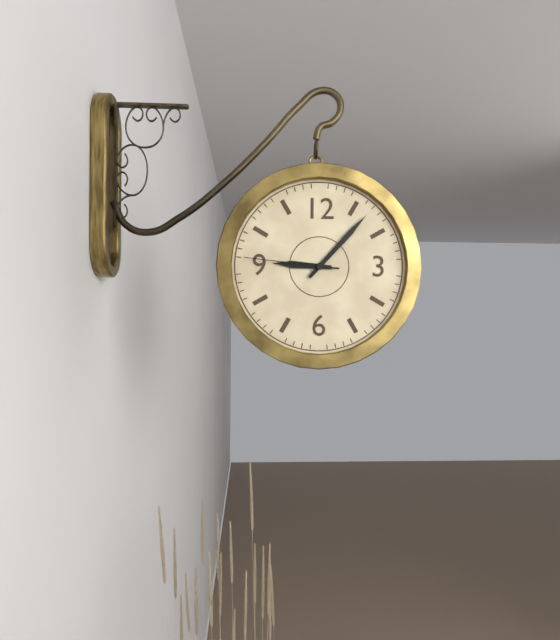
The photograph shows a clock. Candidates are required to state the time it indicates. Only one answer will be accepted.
9:07:46
